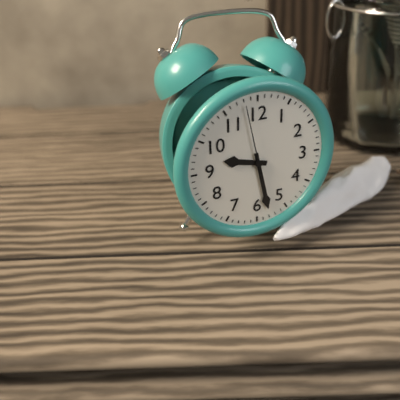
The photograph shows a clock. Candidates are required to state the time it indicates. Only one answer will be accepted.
9:28:58
